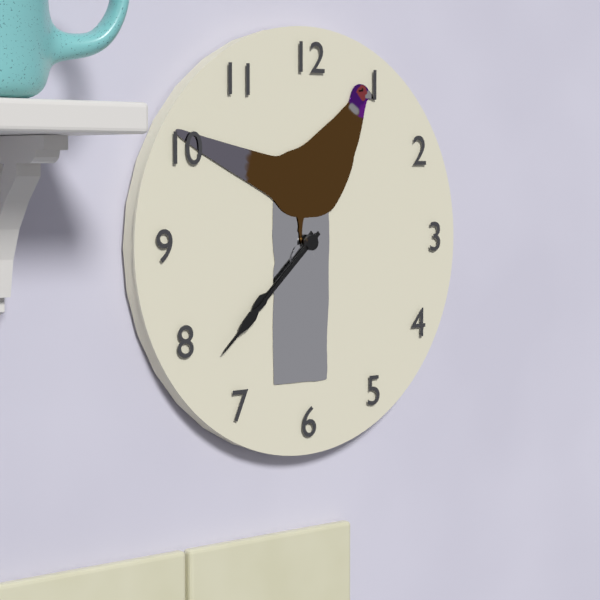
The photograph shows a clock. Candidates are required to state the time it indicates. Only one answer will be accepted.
7:38
